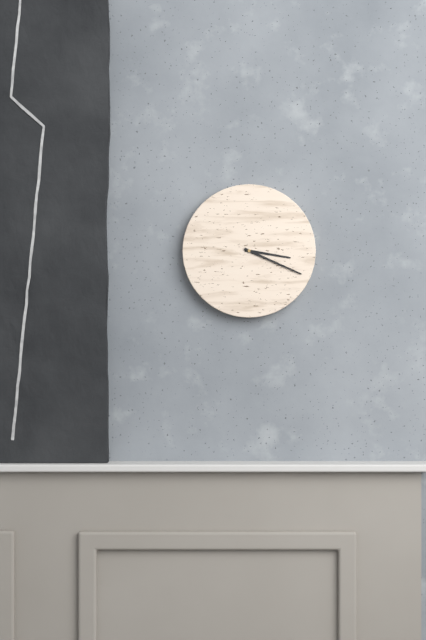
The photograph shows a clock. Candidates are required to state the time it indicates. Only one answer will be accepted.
3:19
